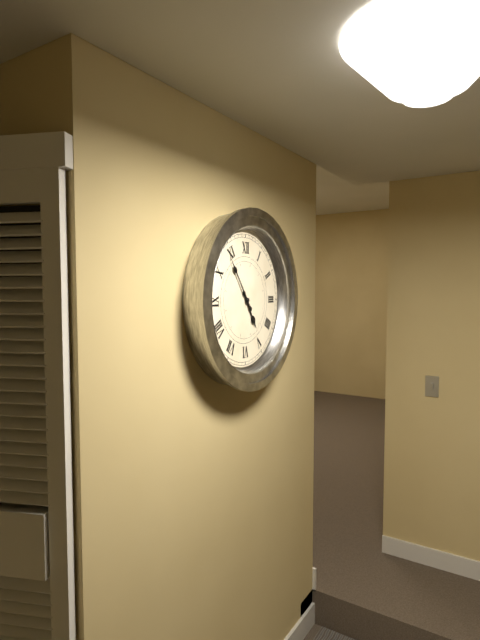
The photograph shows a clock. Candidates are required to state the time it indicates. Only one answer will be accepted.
4:54
